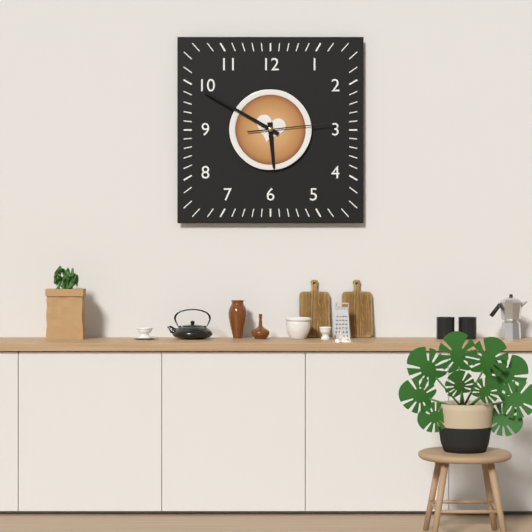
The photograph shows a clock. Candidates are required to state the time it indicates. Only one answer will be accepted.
5:50:14
